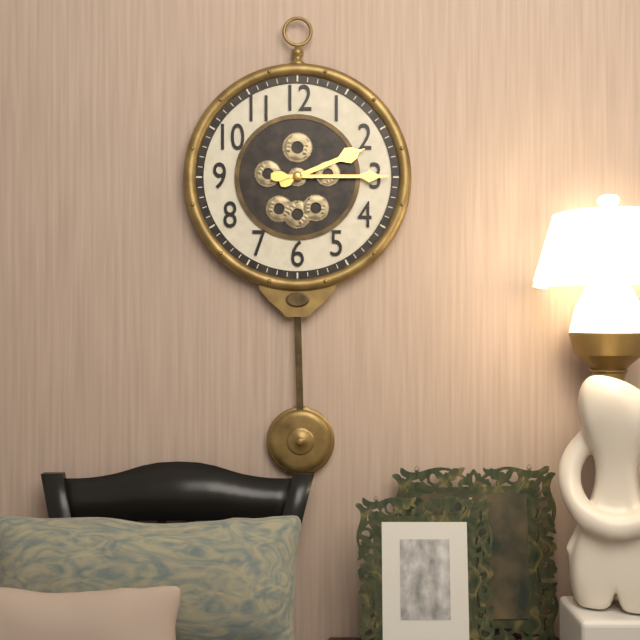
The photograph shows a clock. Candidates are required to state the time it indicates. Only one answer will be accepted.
2:15
